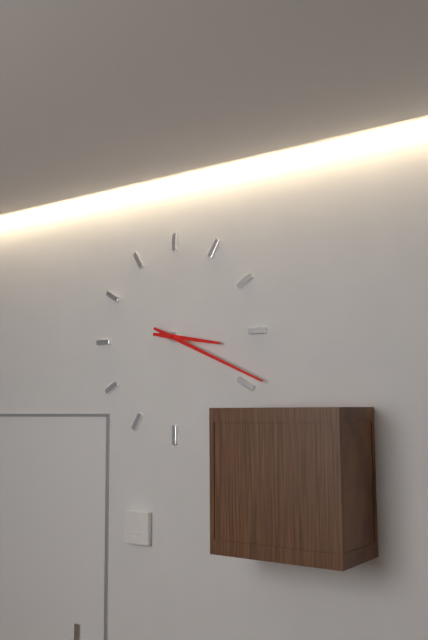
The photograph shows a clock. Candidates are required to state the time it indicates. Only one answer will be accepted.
3:19
